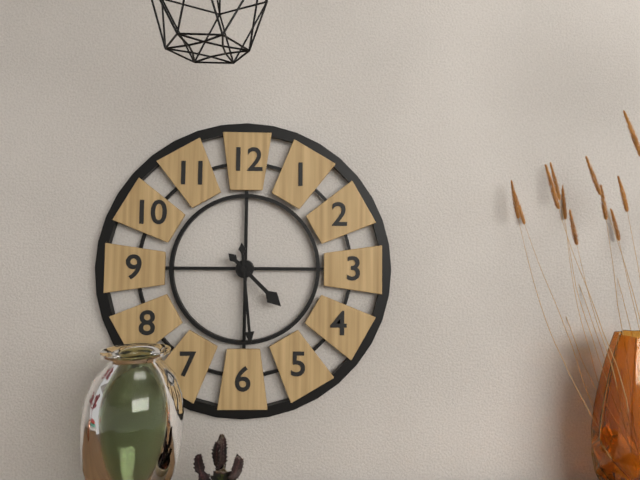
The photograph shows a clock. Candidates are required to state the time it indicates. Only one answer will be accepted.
4:29
